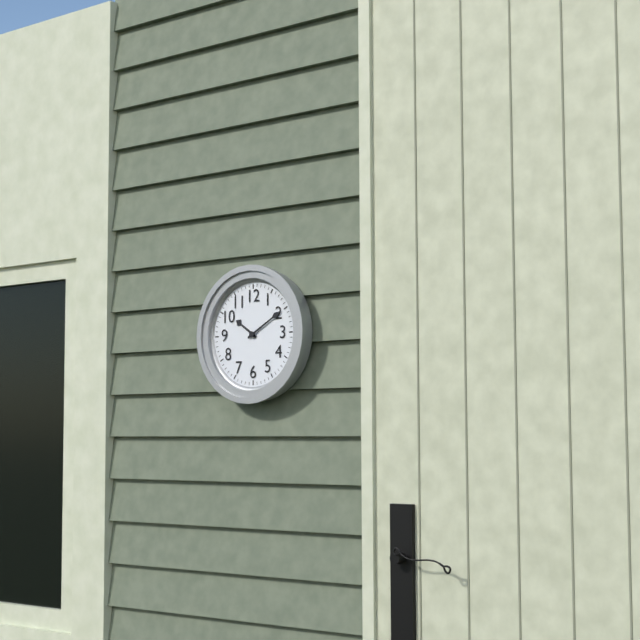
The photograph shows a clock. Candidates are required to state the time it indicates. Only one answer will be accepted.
10:10
